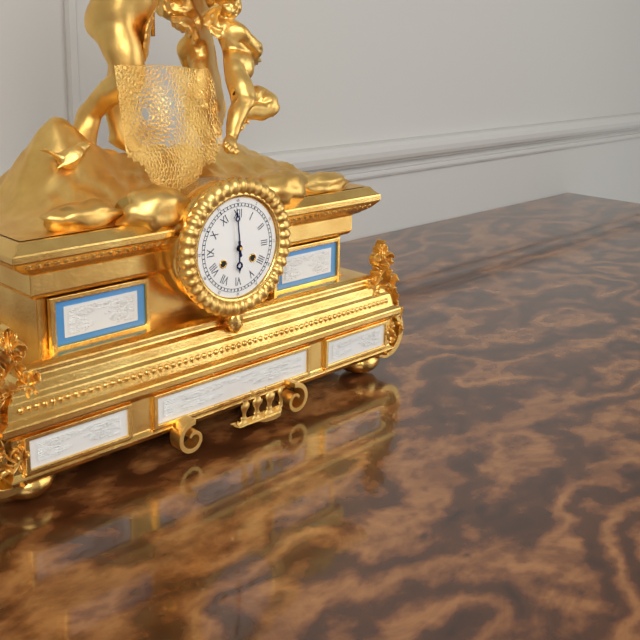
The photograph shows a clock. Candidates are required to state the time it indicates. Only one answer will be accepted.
5:59
